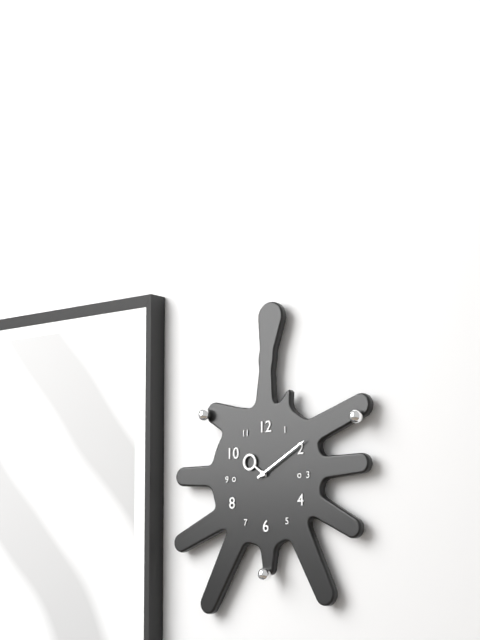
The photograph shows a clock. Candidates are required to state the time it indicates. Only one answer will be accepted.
10:10
